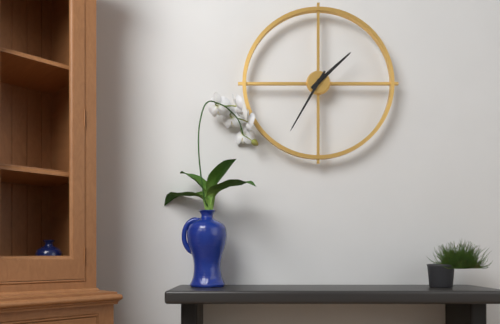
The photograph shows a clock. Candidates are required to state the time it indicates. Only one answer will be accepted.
1:35
